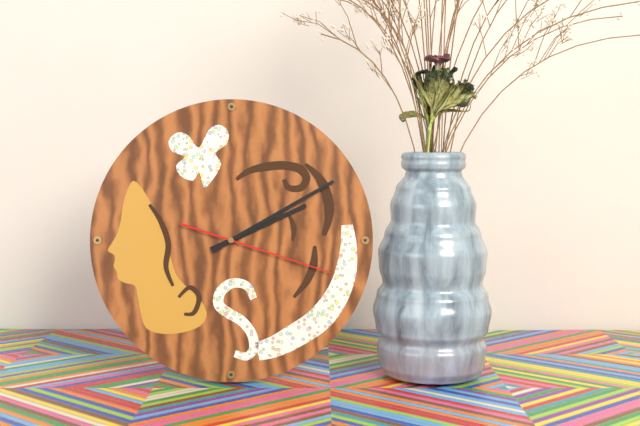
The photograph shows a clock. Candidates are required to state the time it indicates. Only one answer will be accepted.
2:10:18
